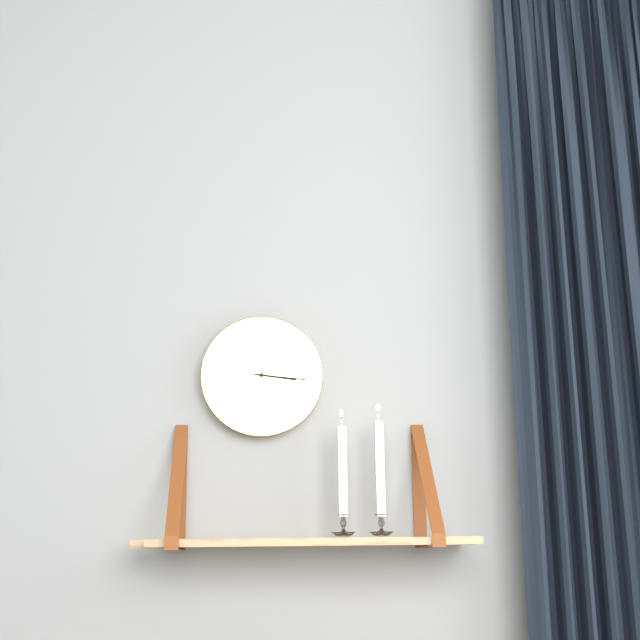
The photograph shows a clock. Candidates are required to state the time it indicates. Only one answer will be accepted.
3:16
